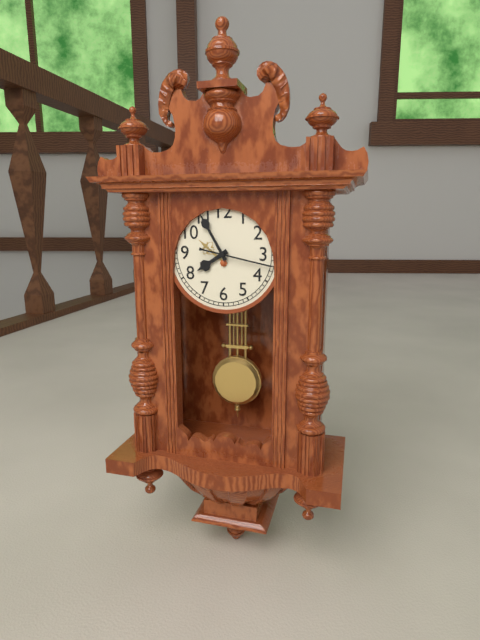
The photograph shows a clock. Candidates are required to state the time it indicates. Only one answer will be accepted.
7:55:17
